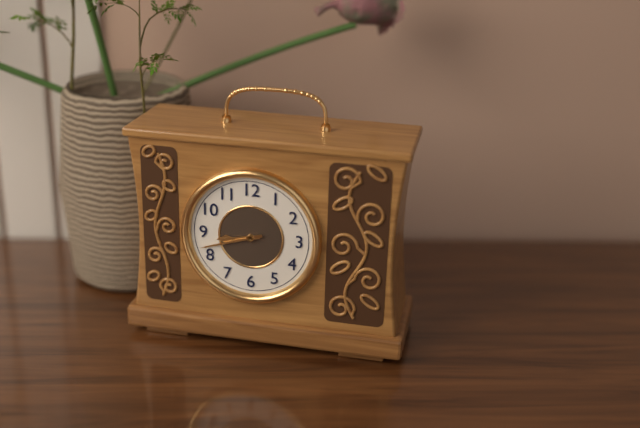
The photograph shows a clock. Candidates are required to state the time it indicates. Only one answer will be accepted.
8:42
